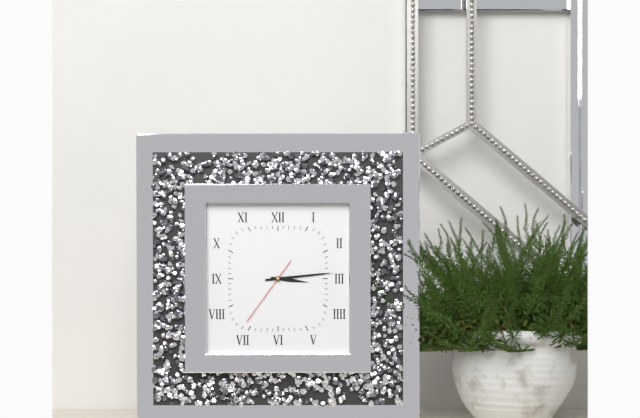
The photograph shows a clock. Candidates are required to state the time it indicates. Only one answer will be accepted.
3:14:36
